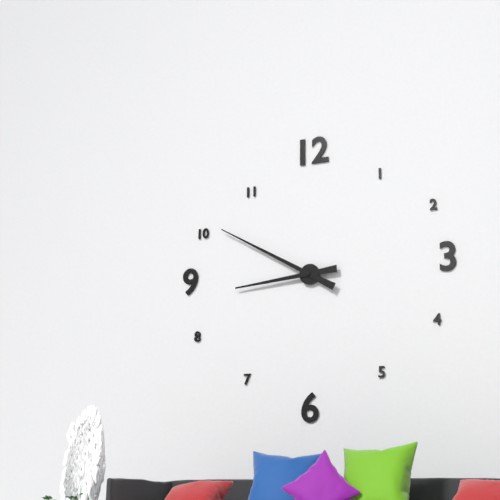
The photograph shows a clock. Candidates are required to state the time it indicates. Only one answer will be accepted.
8:50
